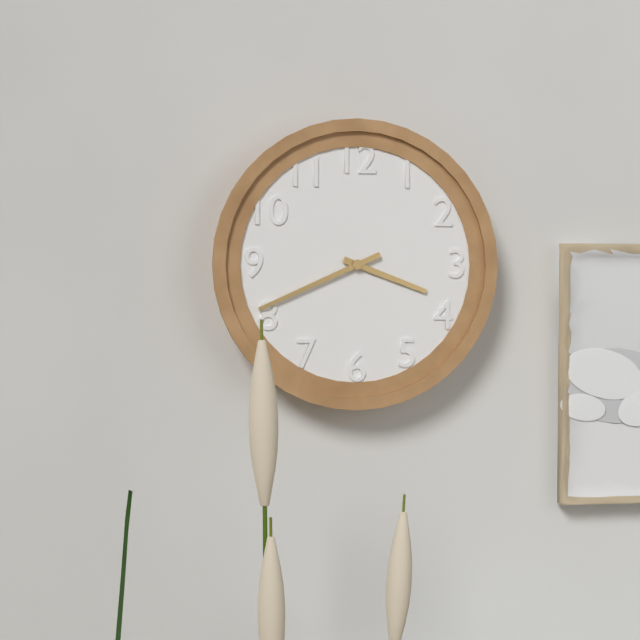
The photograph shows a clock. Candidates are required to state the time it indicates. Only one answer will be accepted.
3:41
